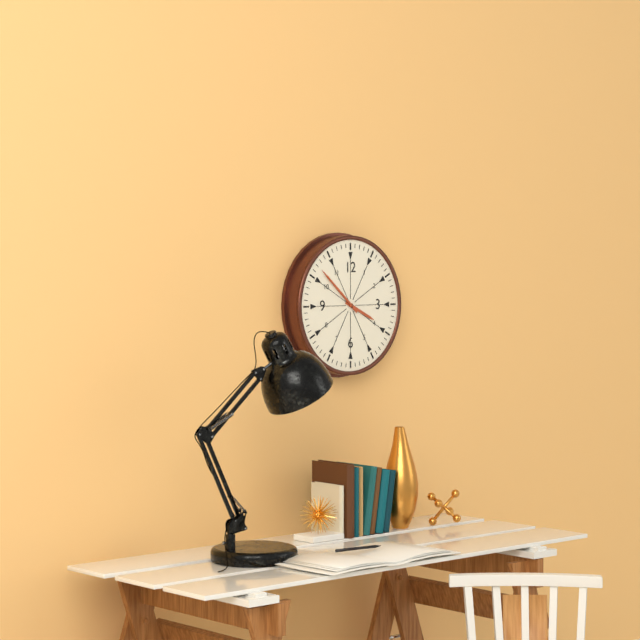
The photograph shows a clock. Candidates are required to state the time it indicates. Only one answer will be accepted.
3:52
